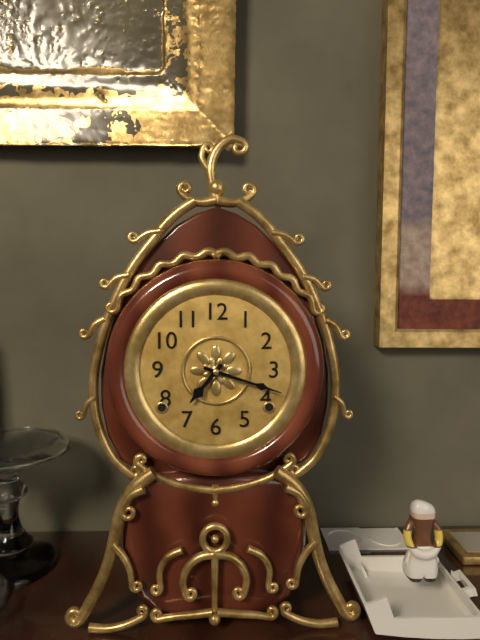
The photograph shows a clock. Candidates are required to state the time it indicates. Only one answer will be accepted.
7:18
